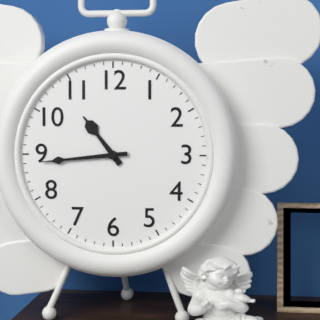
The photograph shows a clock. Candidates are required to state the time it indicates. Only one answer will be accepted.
10:44
